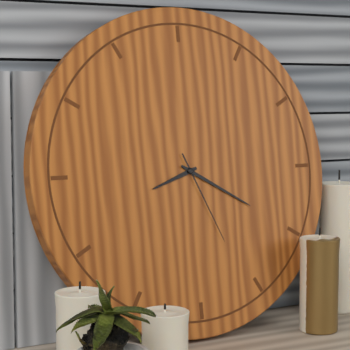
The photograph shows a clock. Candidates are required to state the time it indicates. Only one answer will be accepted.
8:20:26
